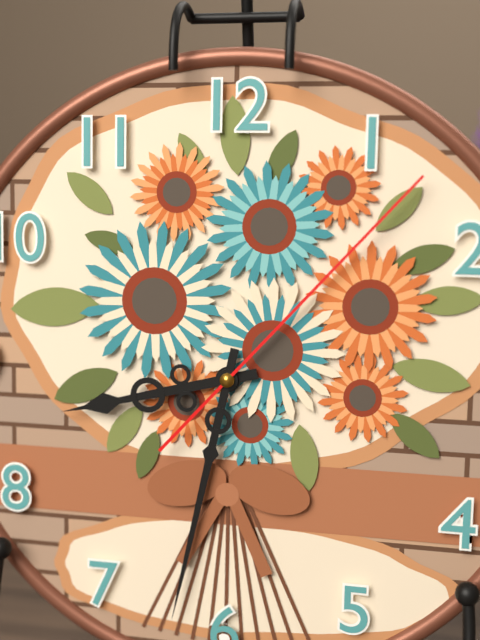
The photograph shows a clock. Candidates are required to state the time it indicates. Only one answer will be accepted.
8:32:07
